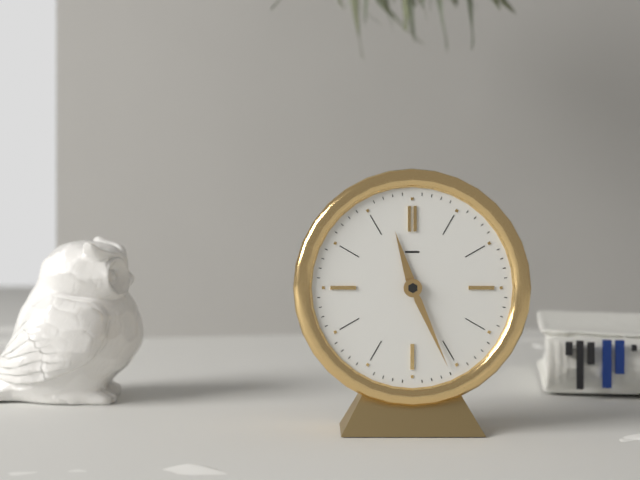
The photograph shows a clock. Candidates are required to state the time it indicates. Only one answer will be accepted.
11:26
